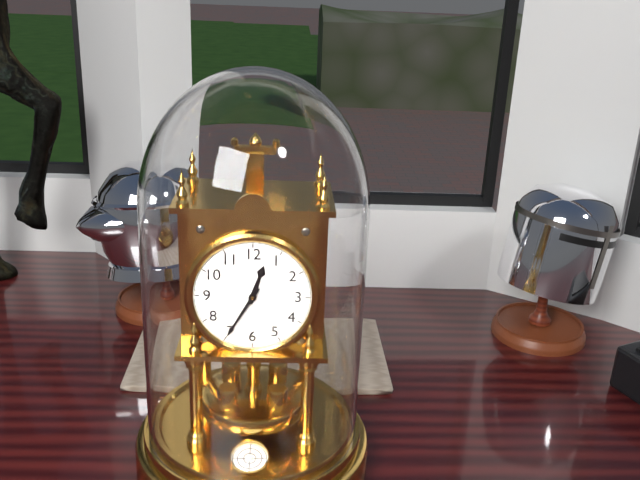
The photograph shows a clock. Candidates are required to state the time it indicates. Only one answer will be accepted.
12:35
